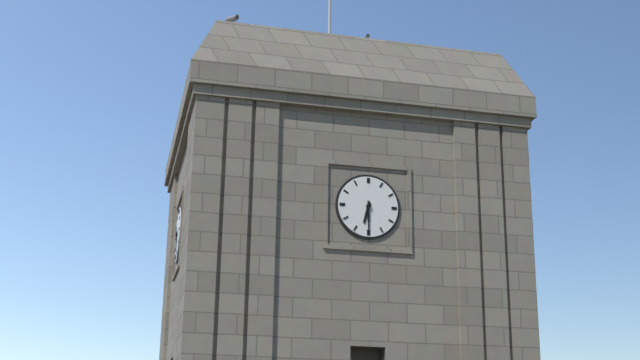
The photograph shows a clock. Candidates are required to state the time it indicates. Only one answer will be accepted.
6:30
